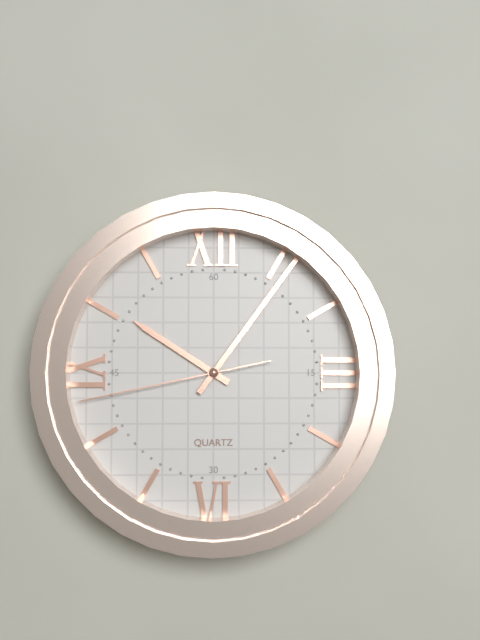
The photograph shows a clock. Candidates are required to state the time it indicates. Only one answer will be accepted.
10:06:43
